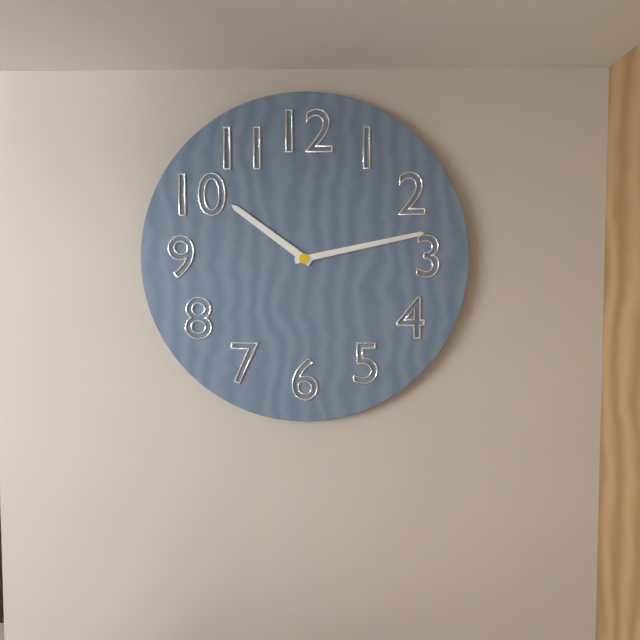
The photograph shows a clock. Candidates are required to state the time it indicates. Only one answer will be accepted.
10:13
